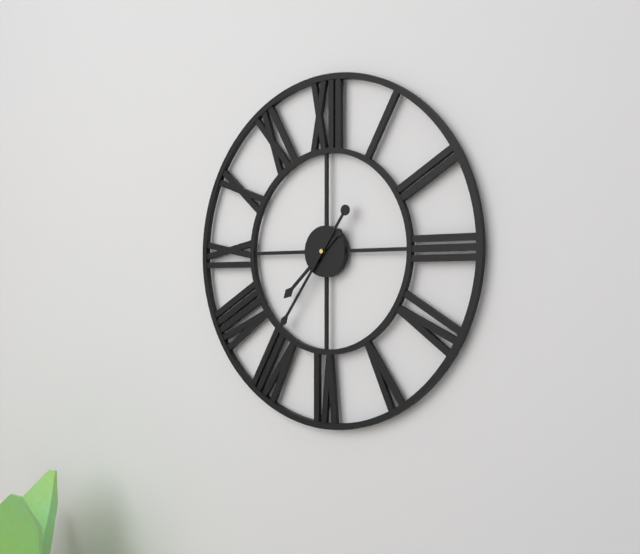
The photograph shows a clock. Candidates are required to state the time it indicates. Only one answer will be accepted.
7:36
